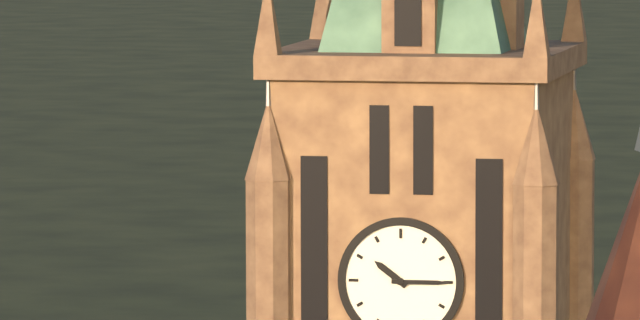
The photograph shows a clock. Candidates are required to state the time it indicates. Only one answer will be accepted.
10:15
